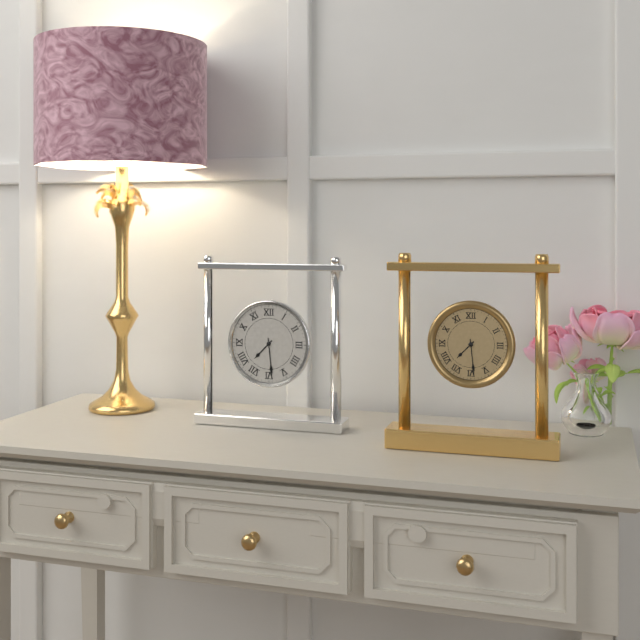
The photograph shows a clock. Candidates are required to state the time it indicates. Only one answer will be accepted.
7:29
